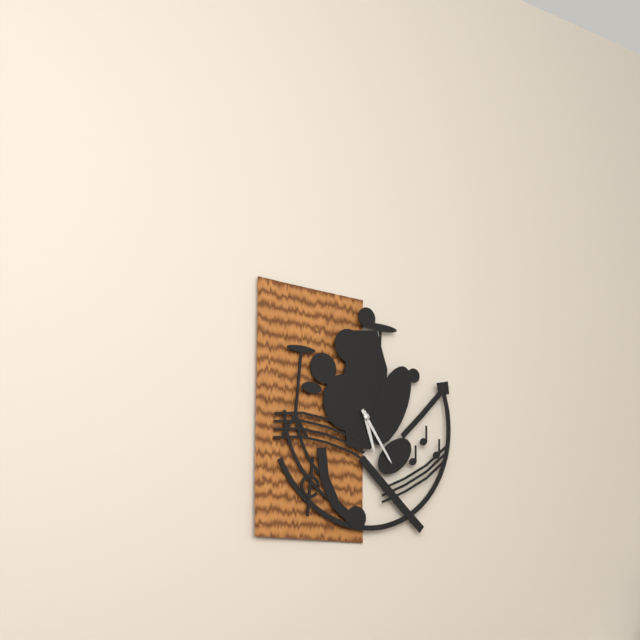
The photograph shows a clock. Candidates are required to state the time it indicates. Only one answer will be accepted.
5:24
